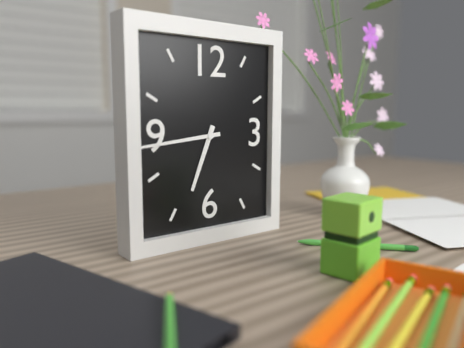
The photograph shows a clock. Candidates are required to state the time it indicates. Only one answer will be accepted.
6:44
